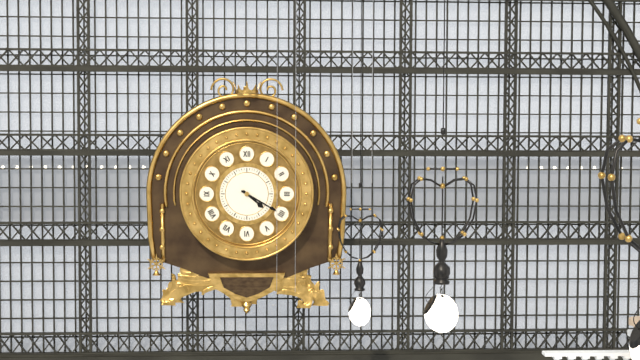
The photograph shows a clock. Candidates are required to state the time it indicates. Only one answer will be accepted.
4:20
